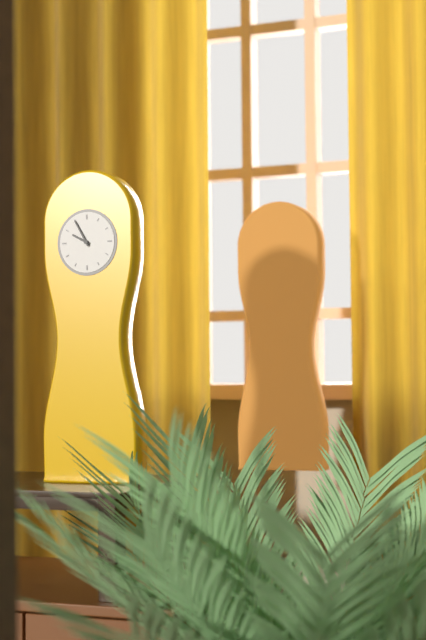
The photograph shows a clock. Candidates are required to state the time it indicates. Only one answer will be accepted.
9:55
